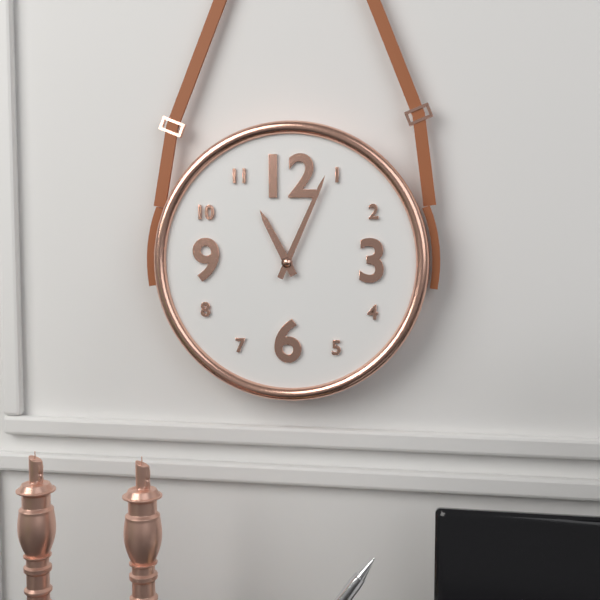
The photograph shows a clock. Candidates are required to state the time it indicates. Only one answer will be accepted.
11:04
